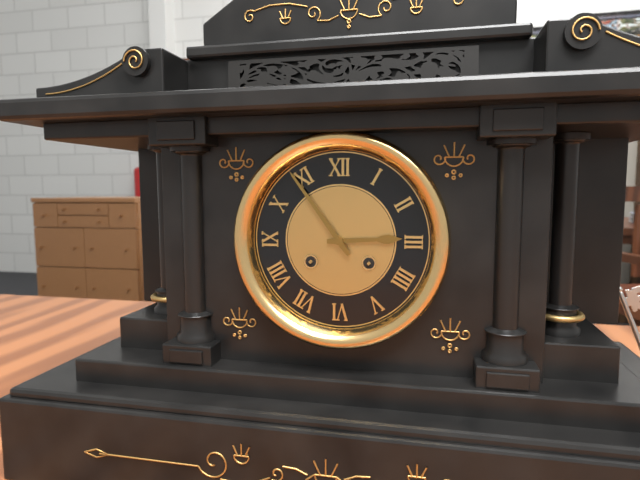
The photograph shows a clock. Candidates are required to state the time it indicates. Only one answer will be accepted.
2:54
